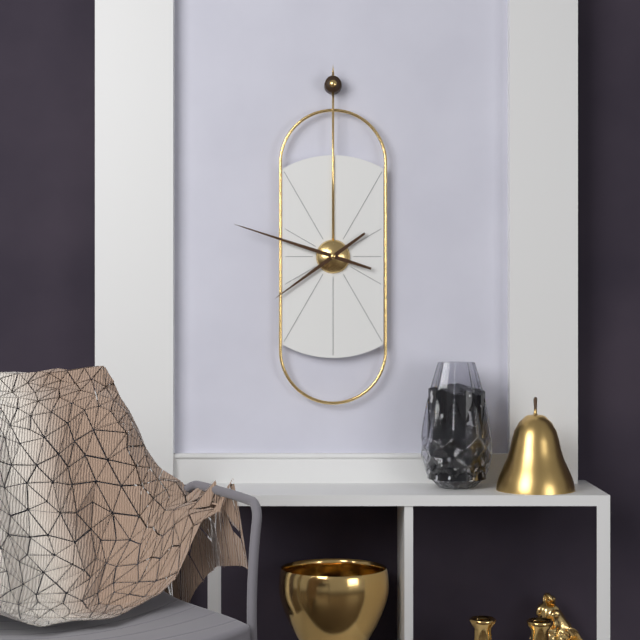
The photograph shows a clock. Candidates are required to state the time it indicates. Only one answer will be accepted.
7:48
